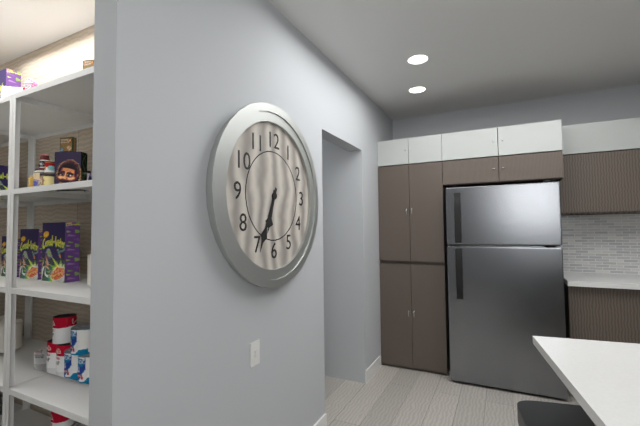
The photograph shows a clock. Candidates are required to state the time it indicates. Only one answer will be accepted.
6:34
